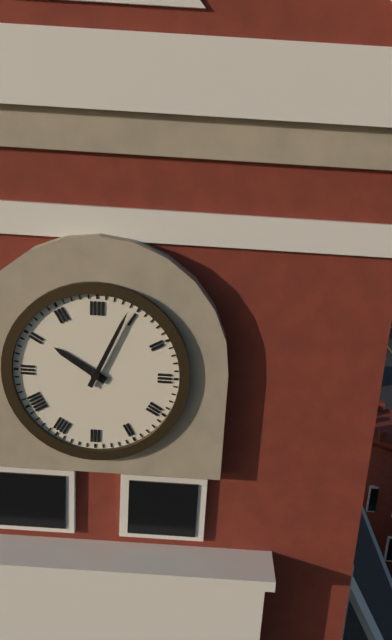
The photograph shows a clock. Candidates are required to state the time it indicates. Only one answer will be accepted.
10:04
